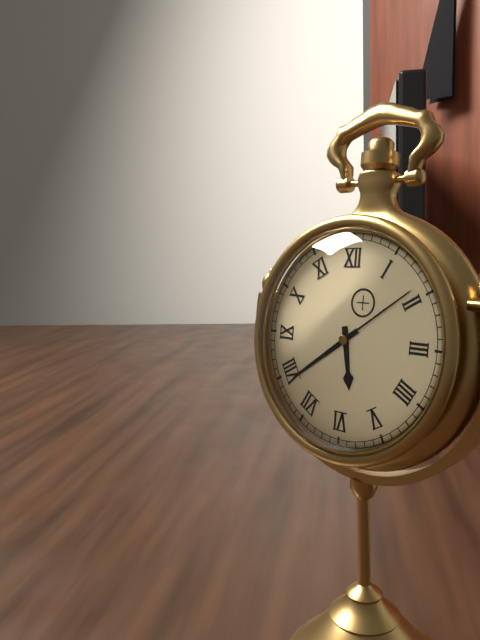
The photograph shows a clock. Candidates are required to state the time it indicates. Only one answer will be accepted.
5:39:09
